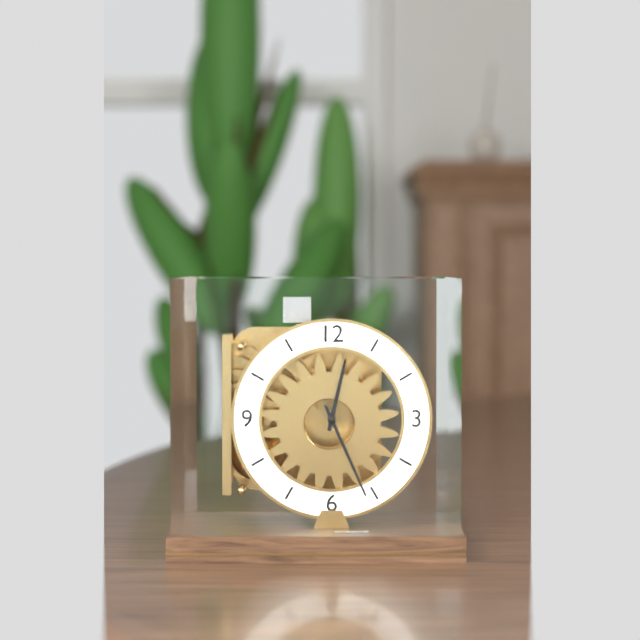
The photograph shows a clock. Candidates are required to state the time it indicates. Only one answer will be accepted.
12:26
